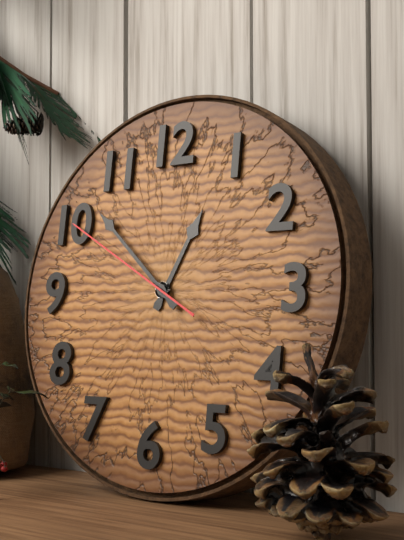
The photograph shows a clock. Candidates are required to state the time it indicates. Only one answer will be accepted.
12:52:50
